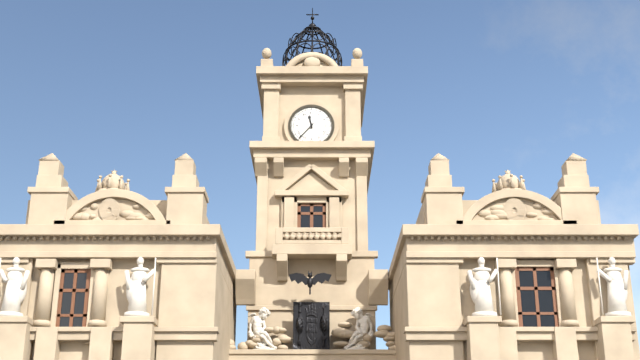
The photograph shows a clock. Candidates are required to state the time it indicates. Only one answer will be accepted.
11:37
